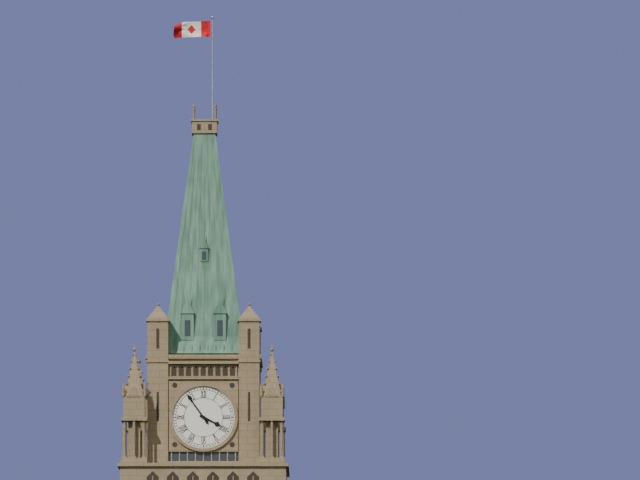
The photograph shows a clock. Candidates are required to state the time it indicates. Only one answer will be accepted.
3:54
